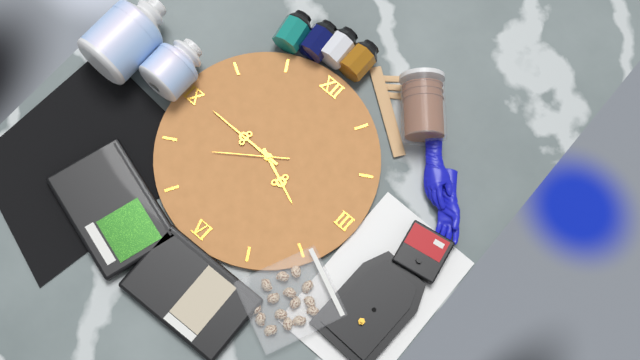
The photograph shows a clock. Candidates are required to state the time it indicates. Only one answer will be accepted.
3:45:39
